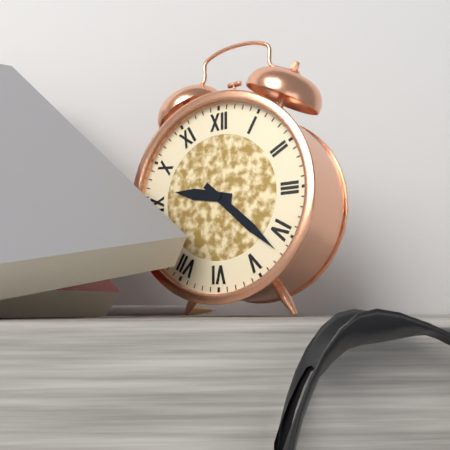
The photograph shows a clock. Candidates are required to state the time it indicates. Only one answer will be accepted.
9:22
